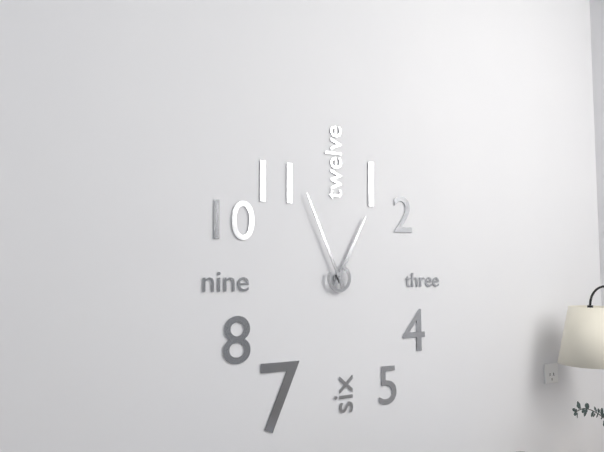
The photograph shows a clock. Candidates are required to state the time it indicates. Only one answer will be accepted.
12:56
